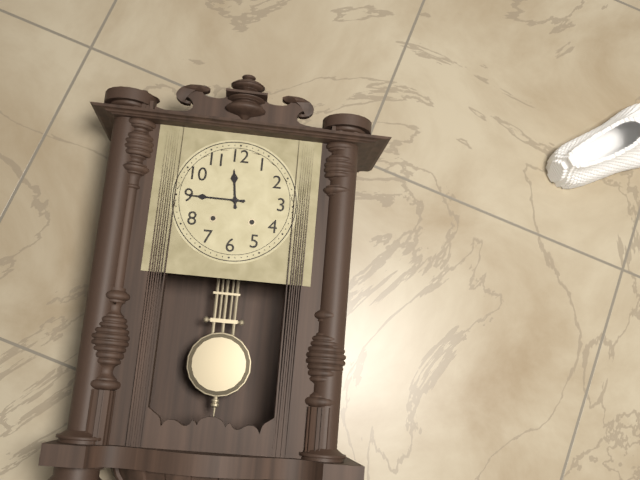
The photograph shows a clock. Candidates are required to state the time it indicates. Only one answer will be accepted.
11:45
